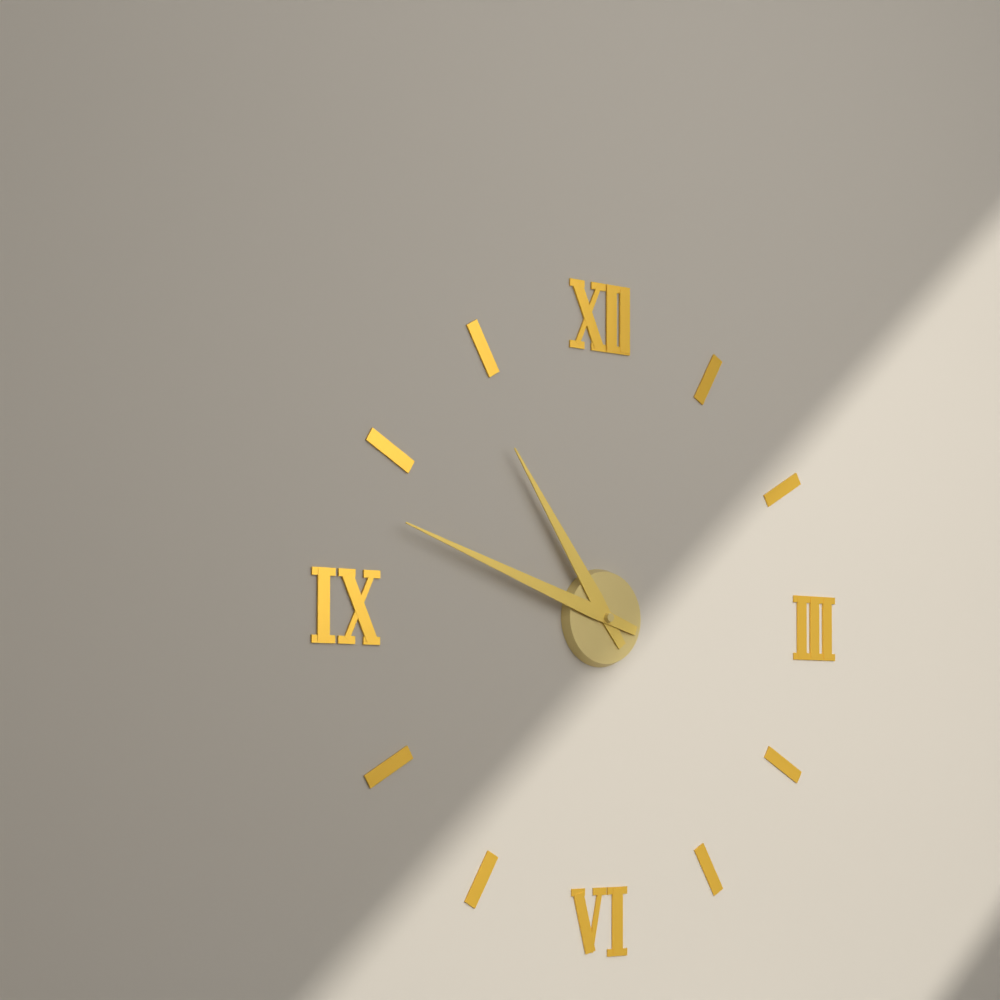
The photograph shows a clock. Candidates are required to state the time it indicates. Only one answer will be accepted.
10:48
